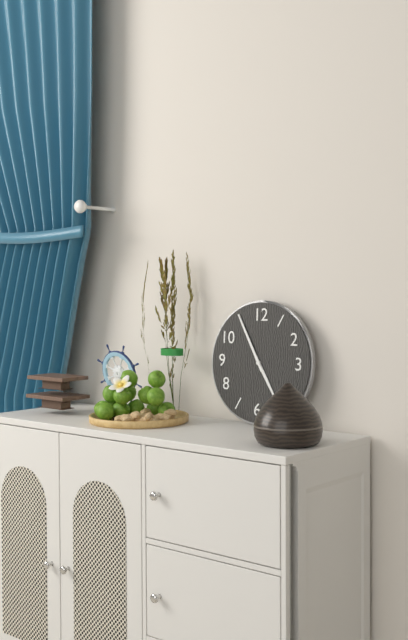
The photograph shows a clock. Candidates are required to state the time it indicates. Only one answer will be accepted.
4:55
